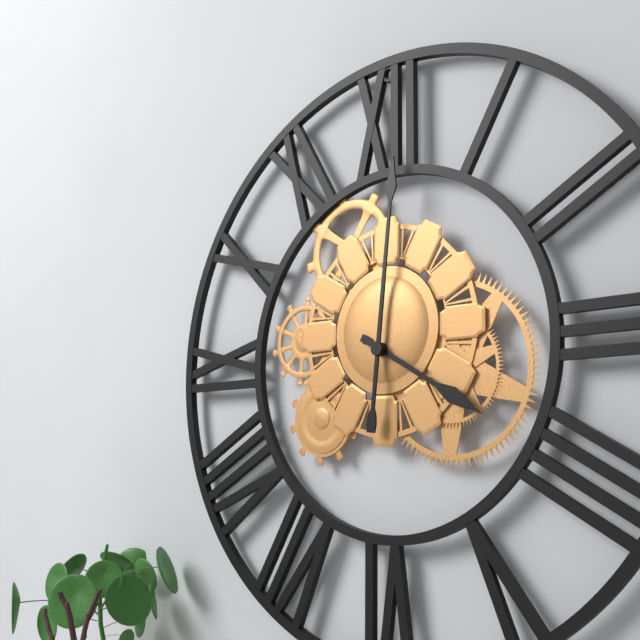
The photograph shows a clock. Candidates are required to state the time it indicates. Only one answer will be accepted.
4:01
